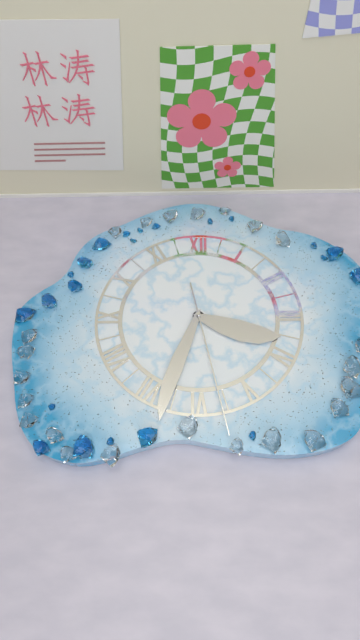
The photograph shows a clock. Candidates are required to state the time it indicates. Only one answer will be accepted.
3:33:28
